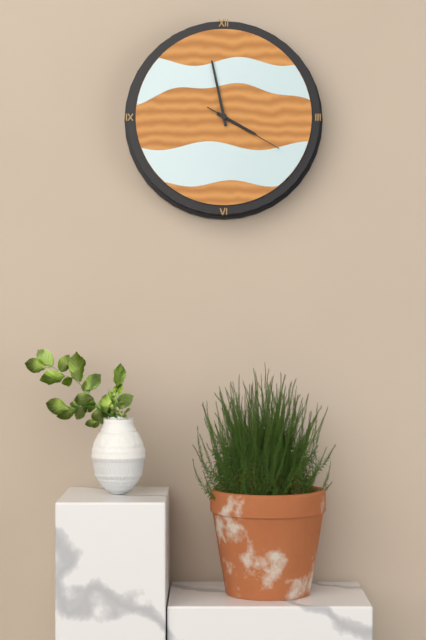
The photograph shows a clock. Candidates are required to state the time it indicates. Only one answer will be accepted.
3:58:20
